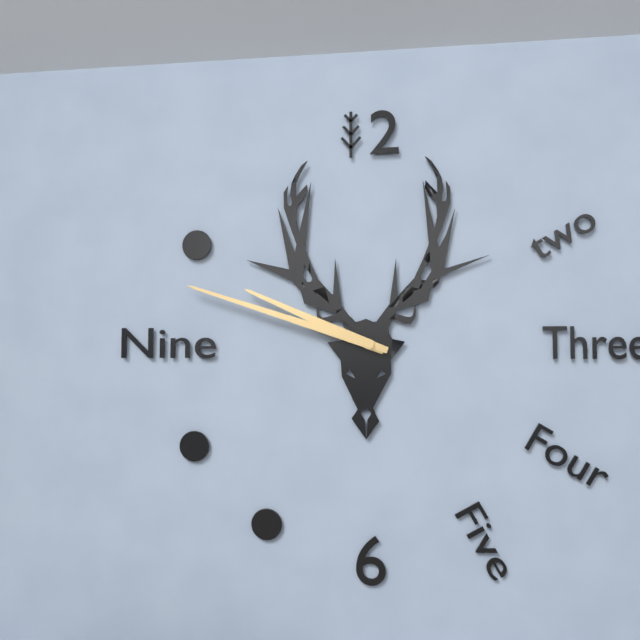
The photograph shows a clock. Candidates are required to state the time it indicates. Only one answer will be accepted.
9:48
